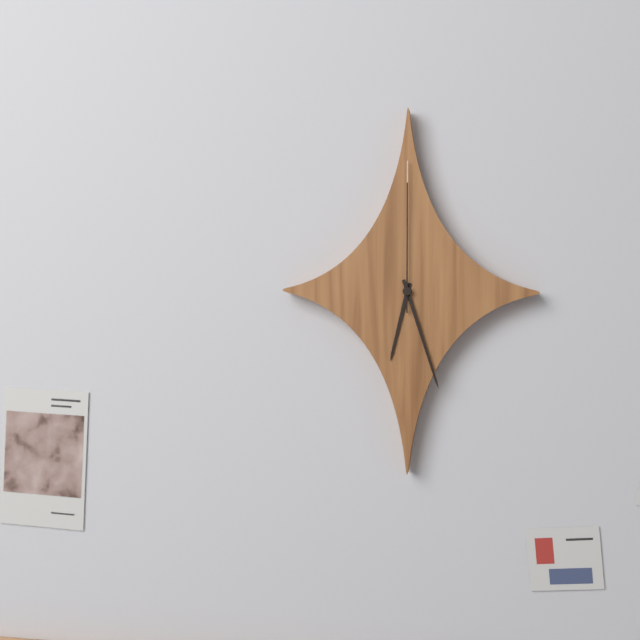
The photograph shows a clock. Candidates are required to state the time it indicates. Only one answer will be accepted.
6:27:00
